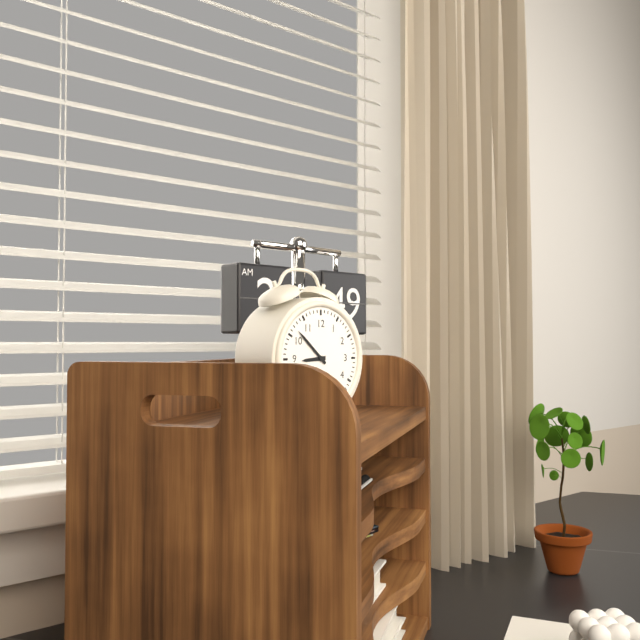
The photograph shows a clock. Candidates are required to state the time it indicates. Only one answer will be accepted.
8:52
